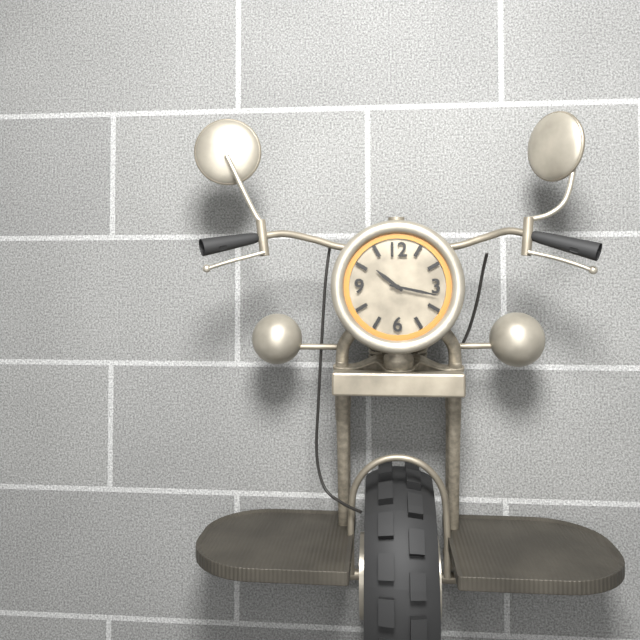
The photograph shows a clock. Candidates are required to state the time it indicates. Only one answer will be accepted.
10:17
